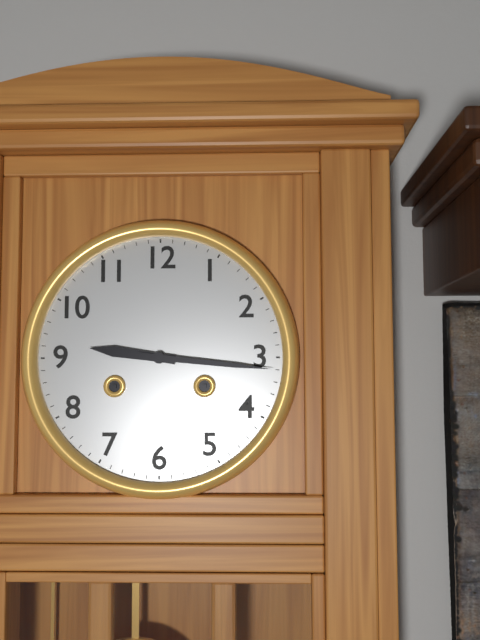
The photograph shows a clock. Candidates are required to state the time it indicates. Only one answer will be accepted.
9:16
